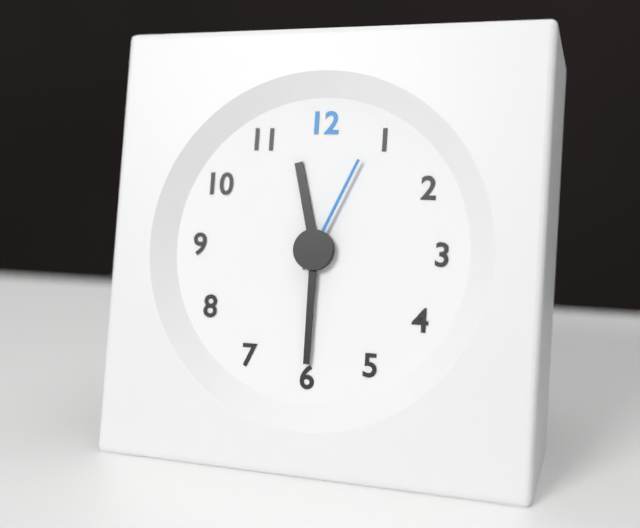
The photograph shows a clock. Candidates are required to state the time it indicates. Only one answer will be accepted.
11:30:04
